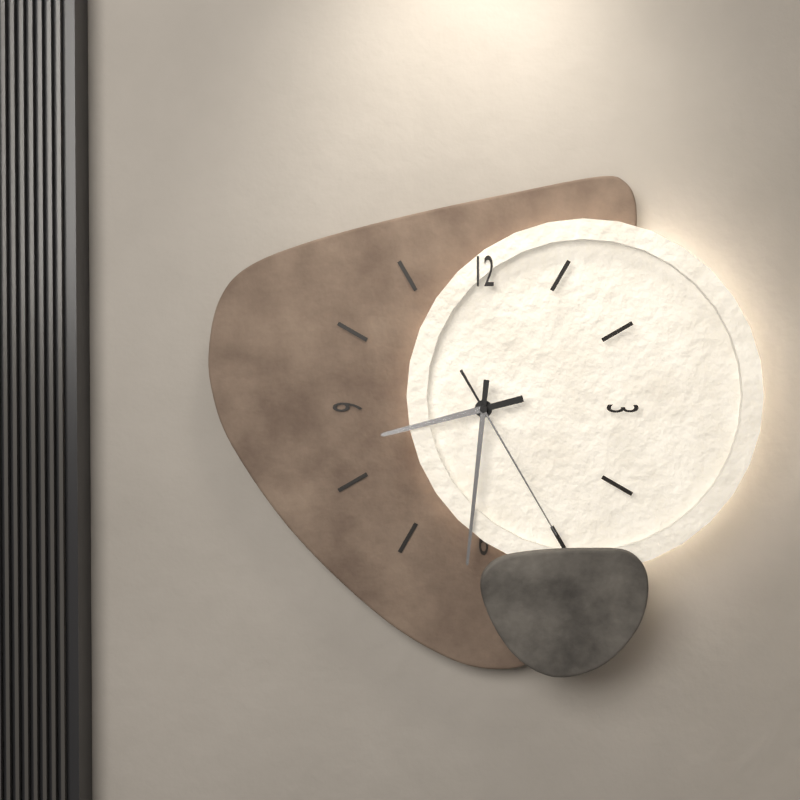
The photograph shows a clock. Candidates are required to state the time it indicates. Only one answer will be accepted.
8:31:25
